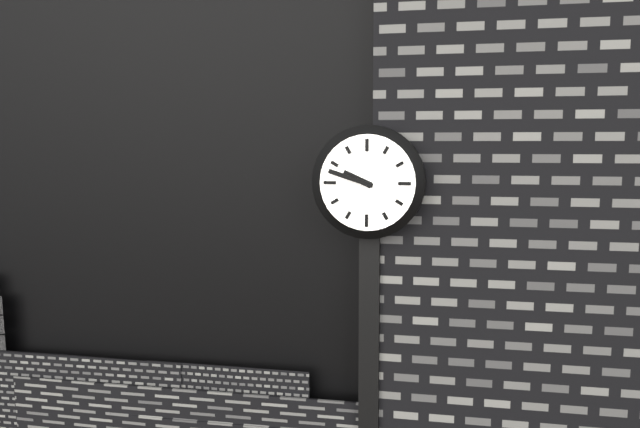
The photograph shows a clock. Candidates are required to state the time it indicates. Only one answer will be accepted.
9:48
